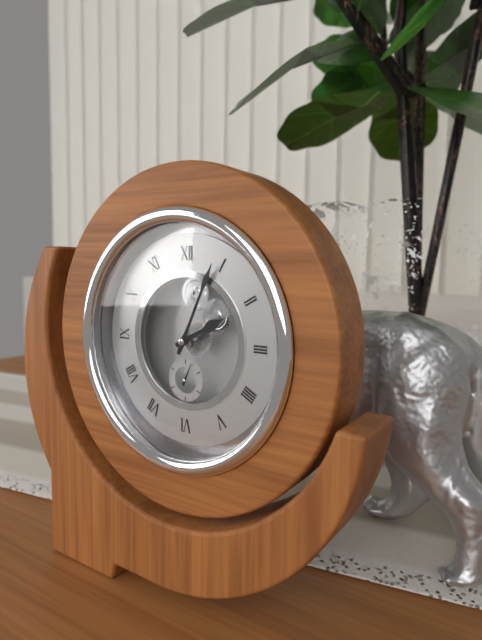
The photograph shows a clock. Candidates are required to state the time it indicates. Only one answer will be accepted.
2:04
